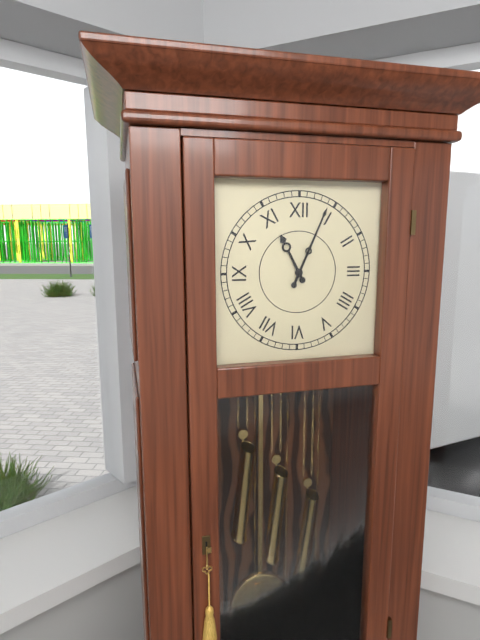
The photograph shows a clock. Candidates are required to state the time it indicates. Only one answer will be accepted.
11:04
